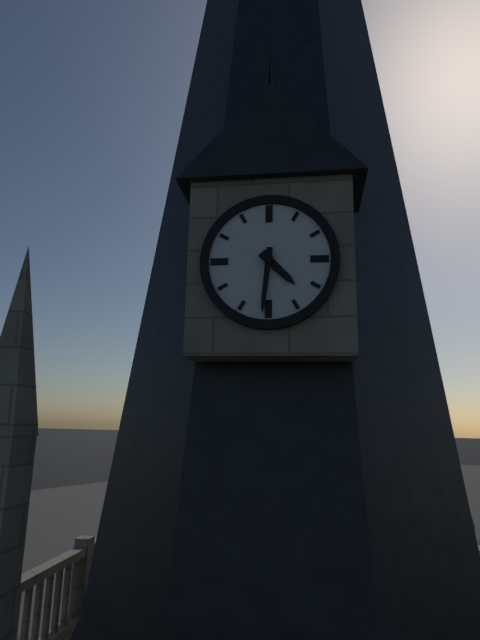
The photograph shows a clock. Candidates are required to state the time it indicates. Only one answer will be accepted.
4:31
